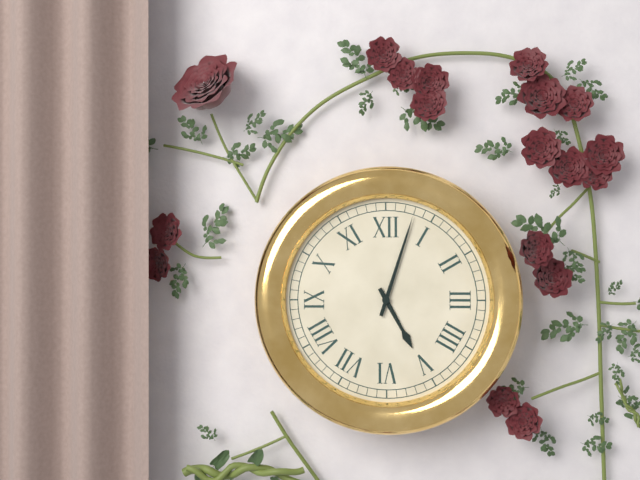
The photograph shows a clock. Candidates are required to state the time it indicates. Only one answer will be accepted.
5:03
